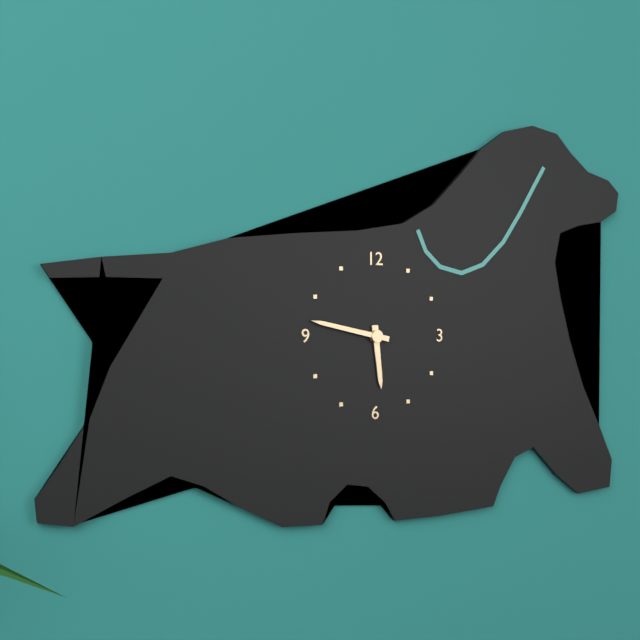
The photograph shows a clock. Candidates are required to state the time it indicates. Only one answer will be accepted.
5:47
